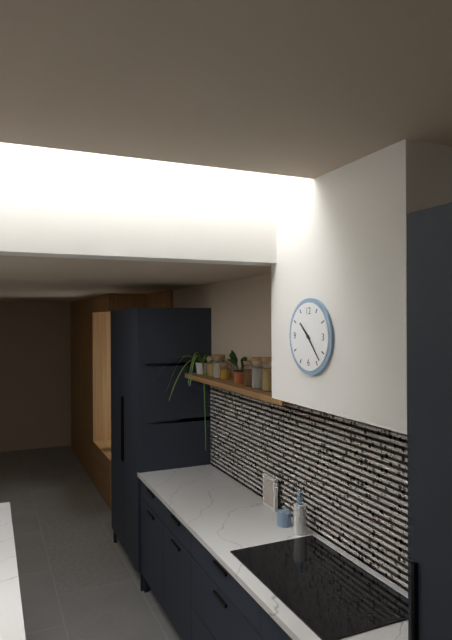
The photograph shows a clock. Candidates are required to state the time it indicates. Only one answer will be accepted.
10:23
